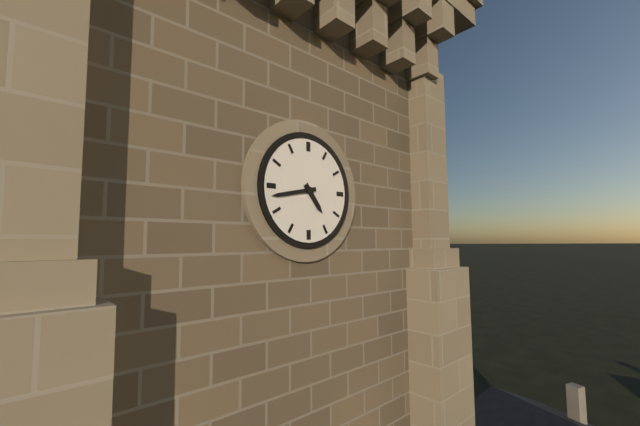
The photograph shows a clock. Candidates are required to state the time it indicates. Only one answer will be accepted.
4:43
